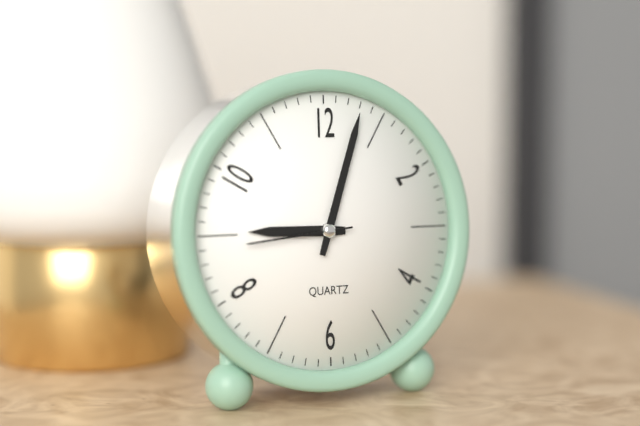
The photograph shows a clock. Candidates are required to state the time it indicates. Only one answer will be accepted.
9:03:44
